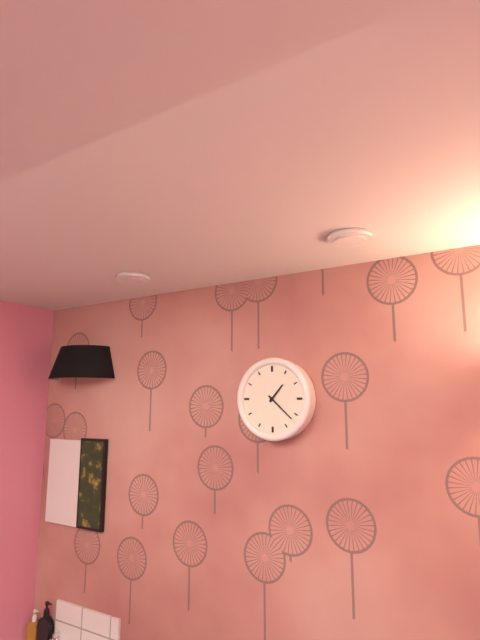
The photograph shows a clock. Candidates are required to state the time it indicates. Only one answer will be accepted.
1:22
